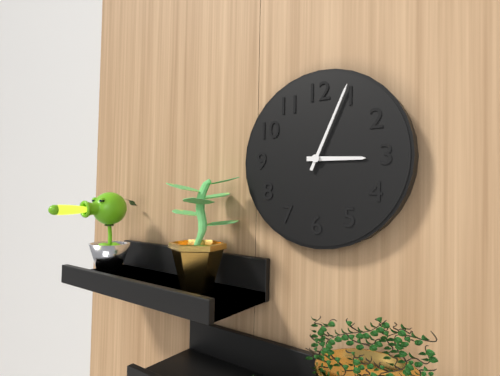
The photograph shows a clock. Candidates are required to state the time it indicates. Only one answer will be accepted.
3:04
